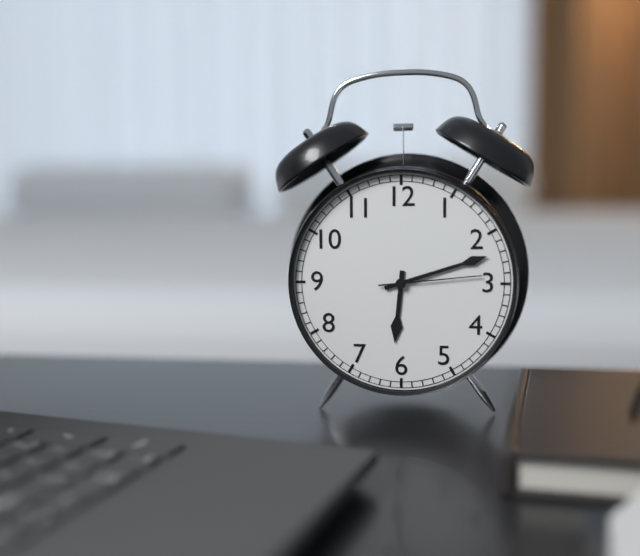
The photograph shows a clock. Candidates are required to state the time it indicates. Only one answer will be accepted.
6:12:14
